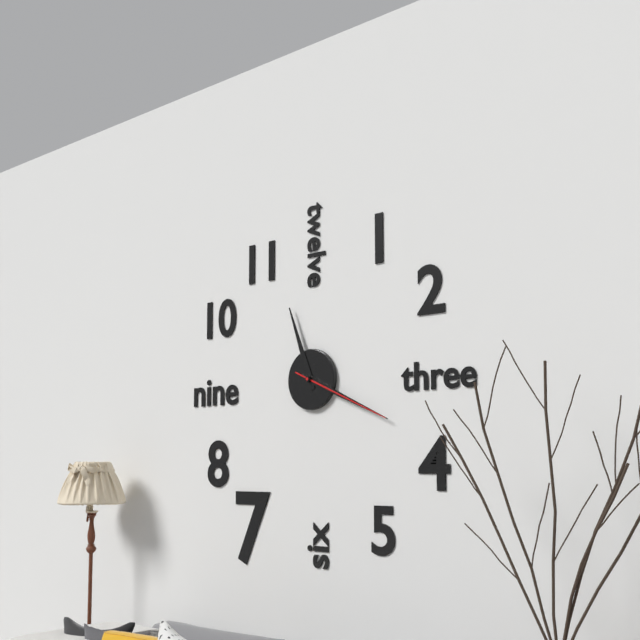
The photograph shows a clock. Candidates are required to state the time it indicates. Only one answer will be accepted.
11:19:19
